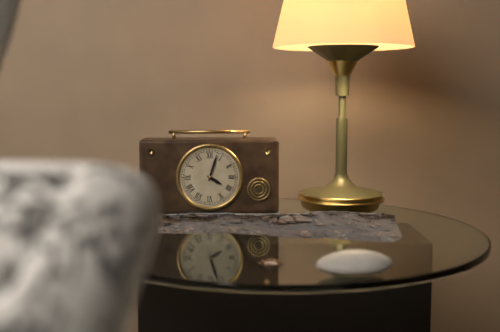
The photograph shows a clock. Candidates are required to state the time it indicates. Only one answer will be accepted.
4:03
